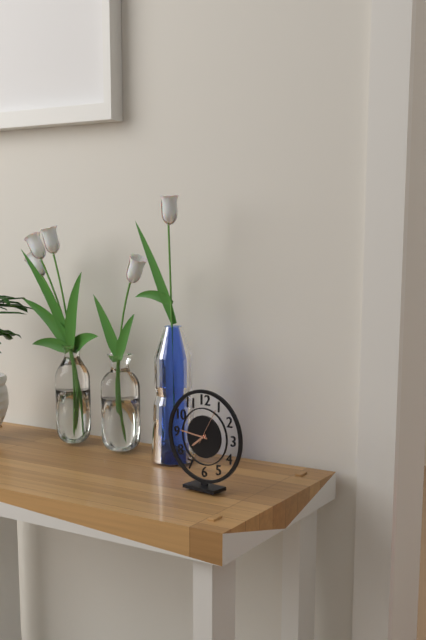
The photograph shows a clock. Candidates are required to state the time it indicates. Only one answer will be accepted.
7:46
